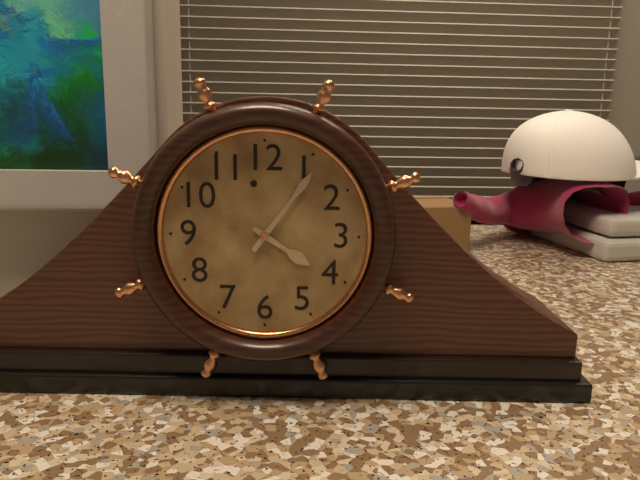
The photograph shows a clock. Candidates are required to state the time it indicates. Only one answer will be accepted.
4:06
